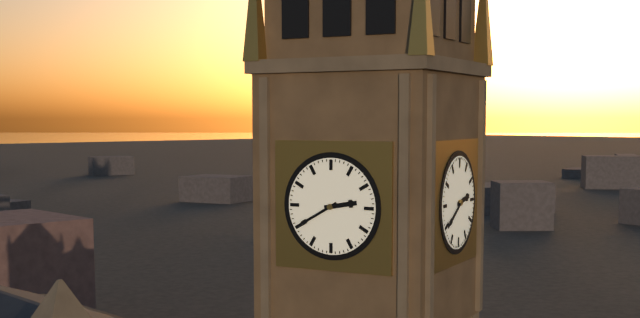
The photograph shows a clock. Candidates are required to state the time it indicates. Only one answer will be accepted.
2:40
